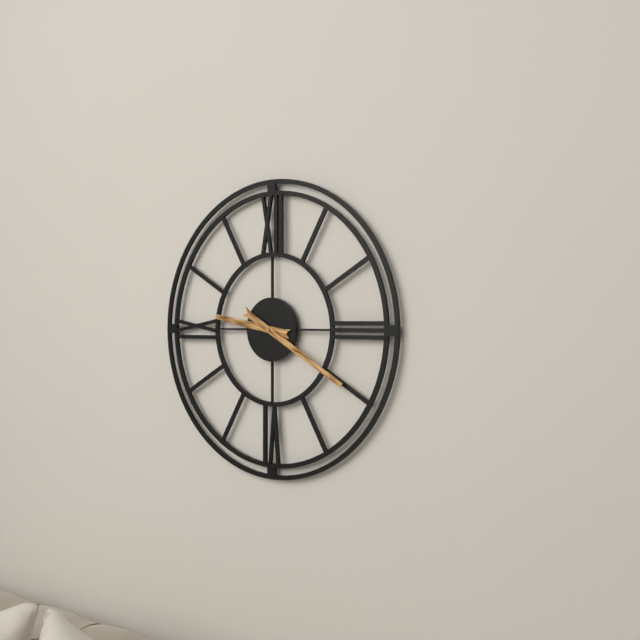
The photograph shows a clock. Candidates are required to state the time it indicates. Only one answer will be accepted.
9:20
